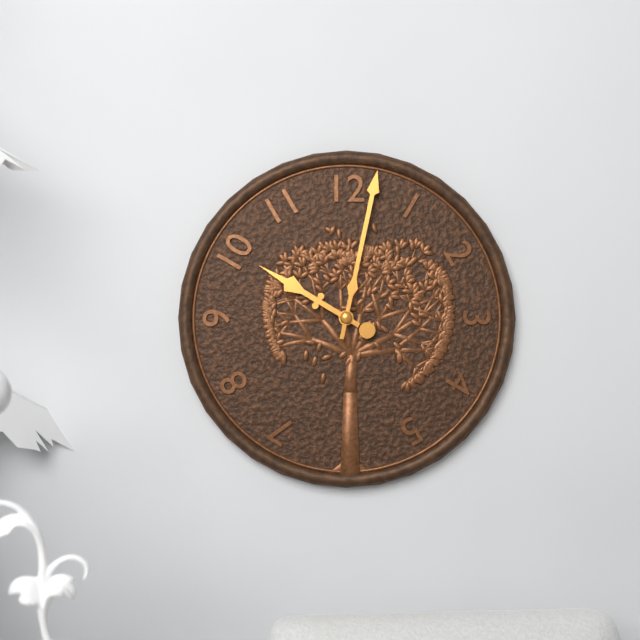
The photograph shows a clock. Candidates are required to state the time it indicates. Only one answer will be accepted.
10:02
